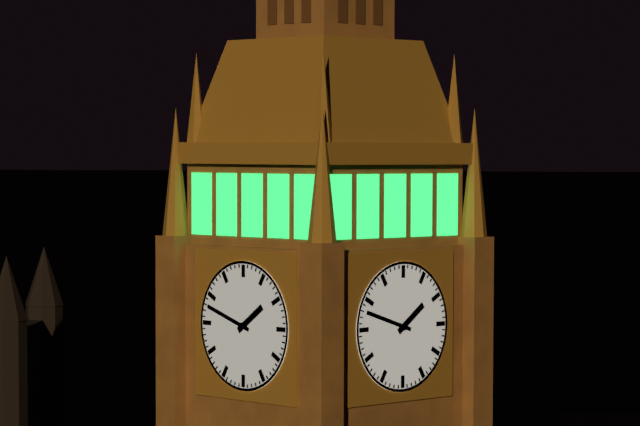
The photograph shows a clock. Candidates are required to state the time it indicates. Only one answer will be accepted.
1:48
